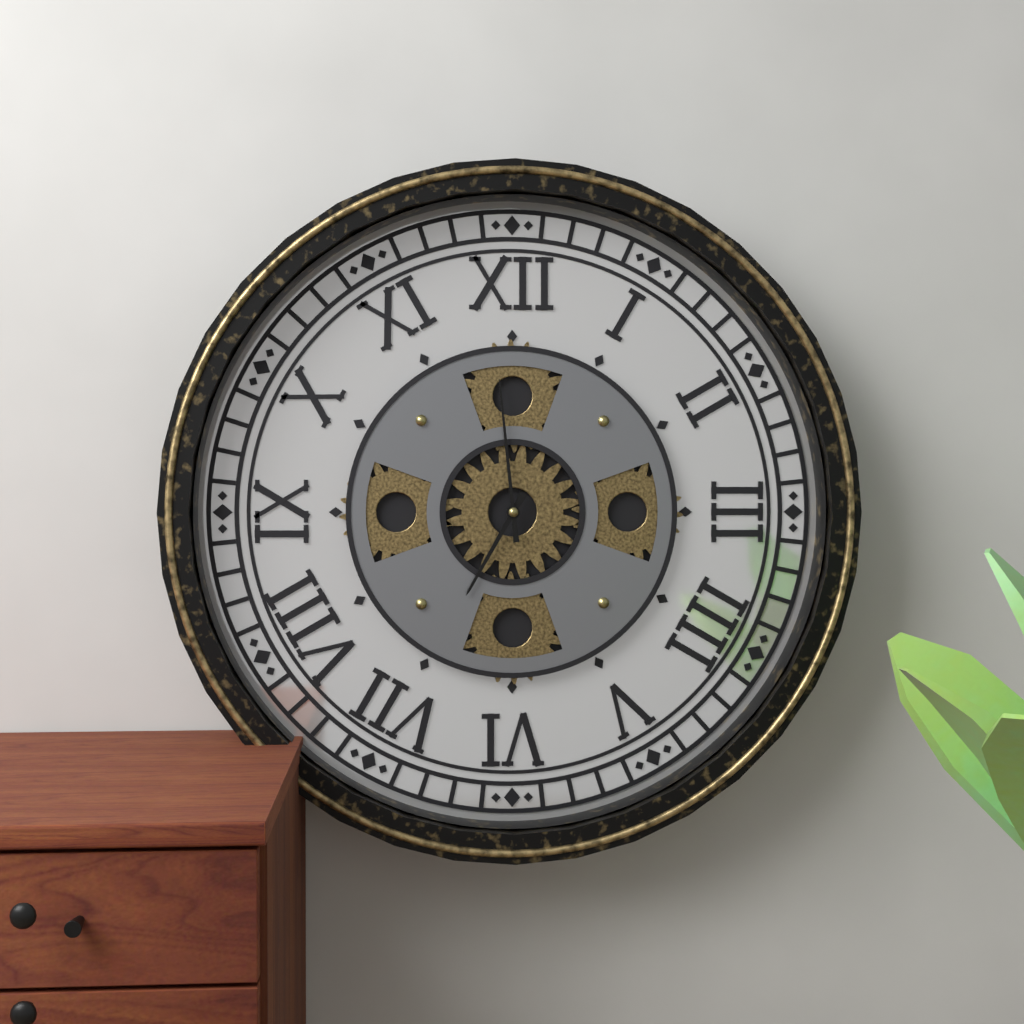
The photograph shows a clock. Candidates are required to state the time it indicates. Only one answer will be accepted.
6:59
